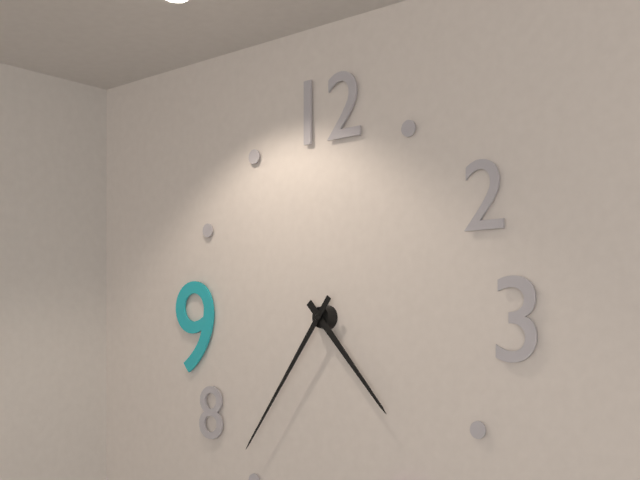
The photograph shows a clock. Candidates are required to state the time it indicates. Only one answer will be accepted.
4:36
